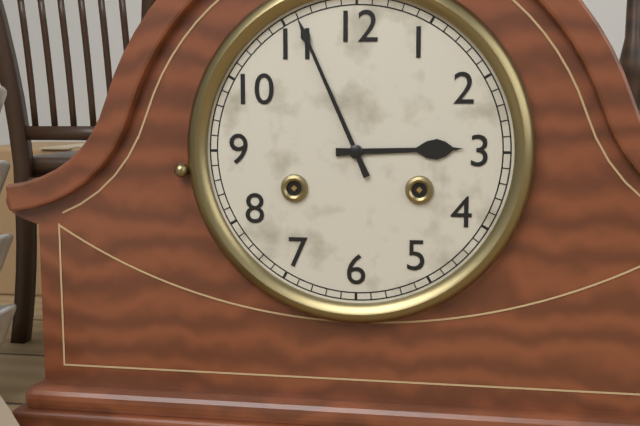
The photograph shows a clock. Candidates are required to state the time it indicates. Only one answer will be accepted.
2:56
